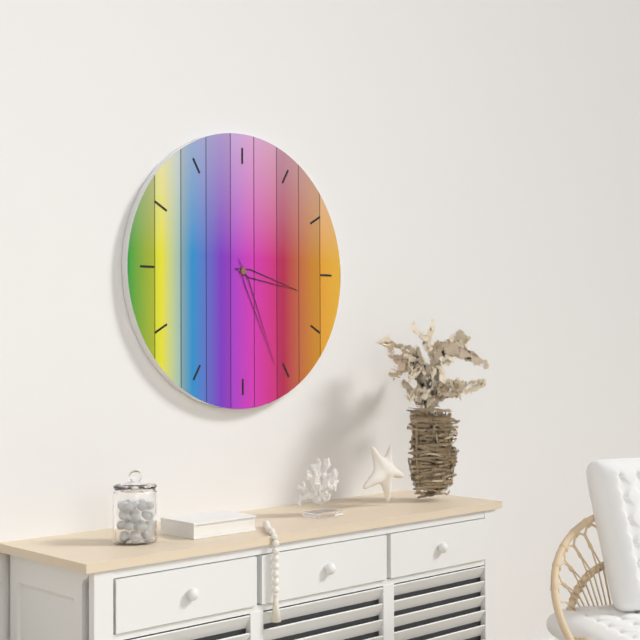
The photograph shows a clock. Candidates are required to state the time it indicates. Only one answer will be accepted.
3:26
